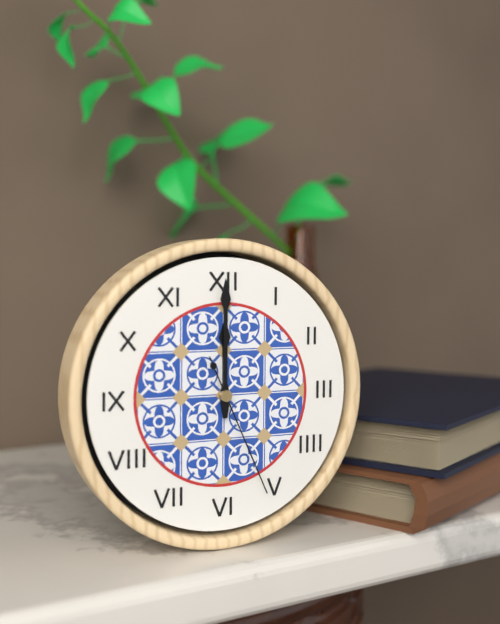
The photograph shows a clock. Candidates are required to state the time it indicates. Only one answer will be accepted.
12:00:26
